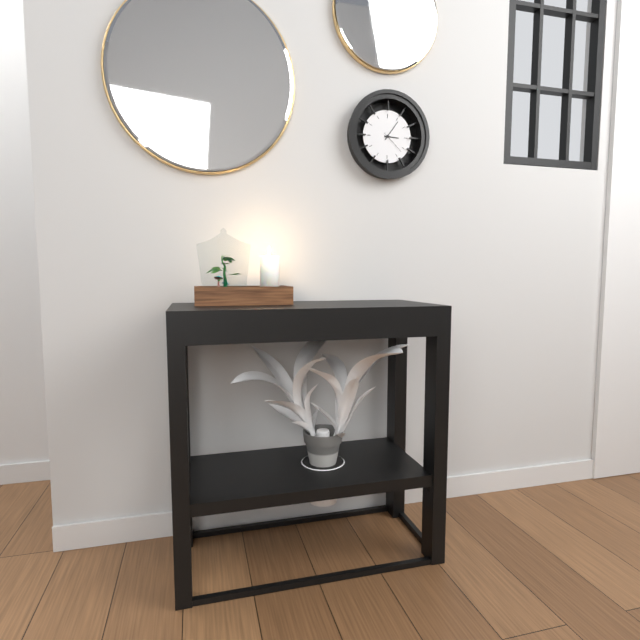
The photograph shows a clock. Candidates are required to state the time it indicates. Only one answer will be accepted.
3:06
